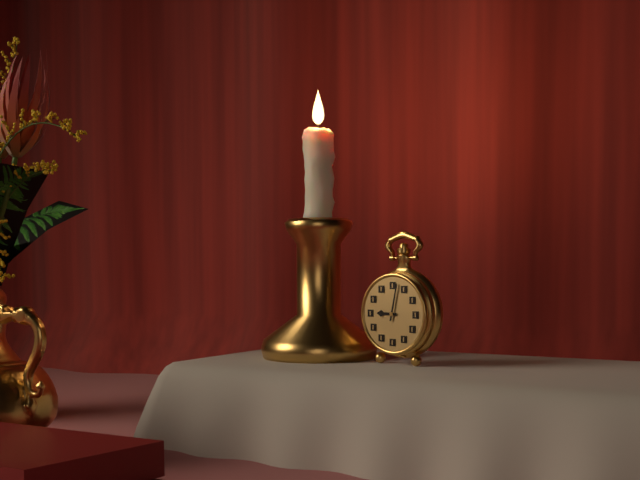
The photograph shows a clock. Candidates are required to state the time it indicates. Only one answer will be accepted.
9:02
